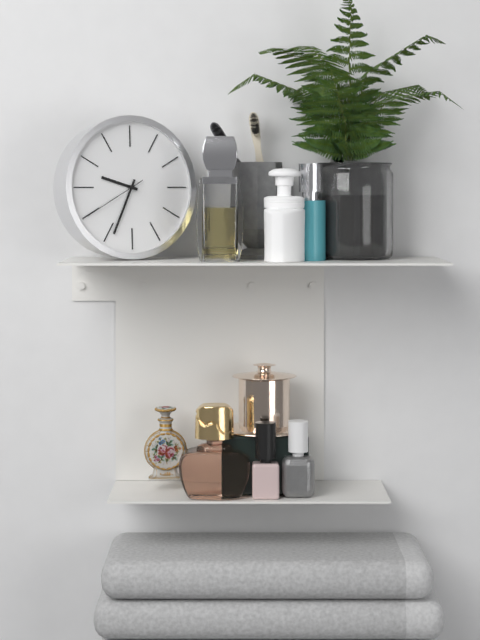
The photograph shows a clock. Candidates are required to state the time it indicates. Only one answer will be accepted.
9:34:40
